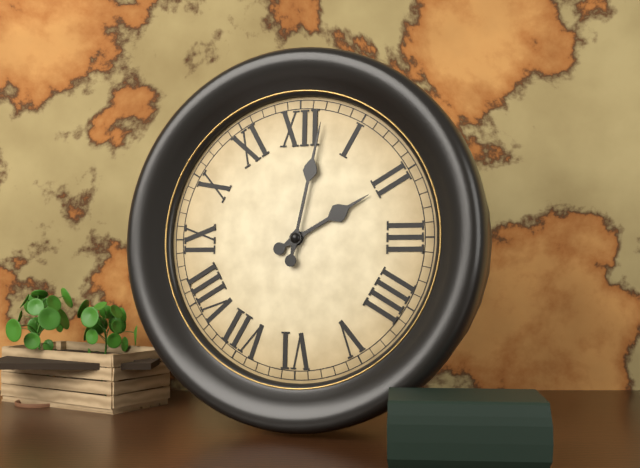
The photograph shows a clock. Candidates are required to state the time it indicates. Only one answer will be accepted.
2:02
